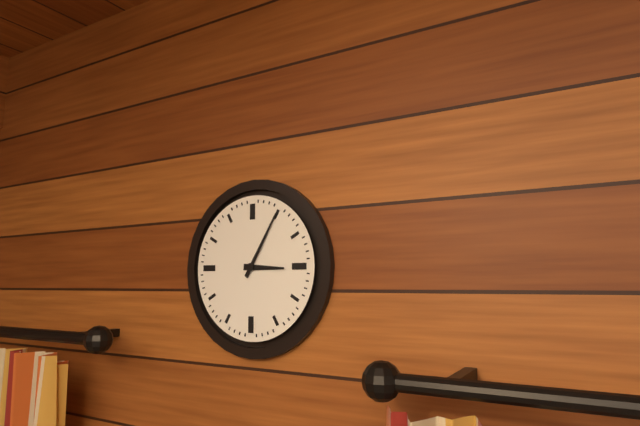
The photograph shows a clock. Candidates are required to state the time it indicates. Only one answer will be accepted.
3:05
